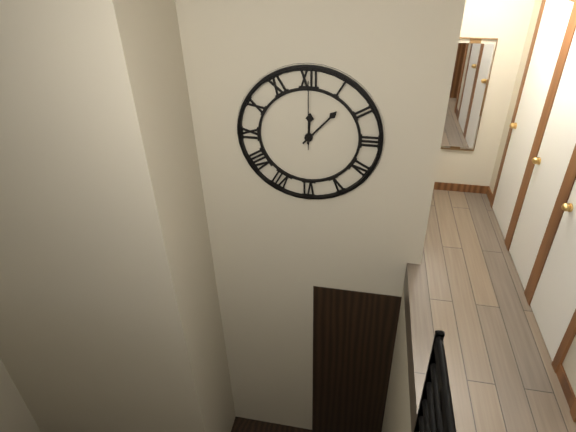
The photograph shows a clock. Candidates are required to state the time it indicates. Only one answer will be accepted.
12:07:00
